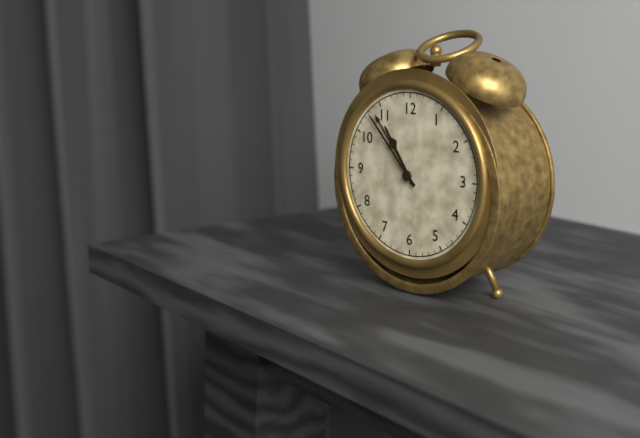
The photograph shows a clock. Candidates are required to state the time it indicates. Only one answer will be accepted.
10:53
